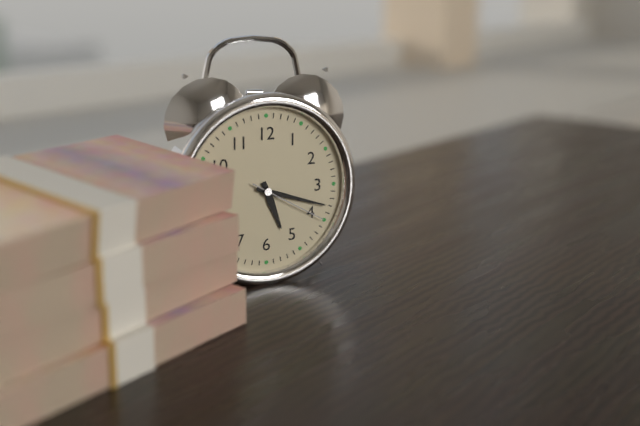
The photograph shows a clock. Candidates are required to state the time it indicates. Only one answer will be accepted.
5:18:20
